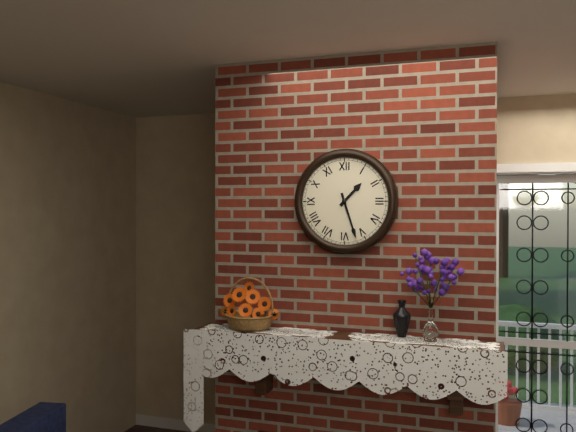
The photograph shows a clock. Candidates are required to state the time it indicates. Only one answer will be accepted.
1:27
